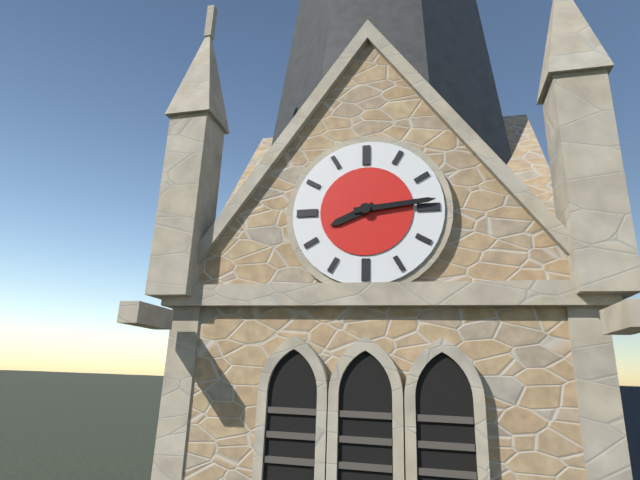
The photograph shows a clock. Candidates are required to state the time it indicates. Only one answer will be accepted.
8:14
